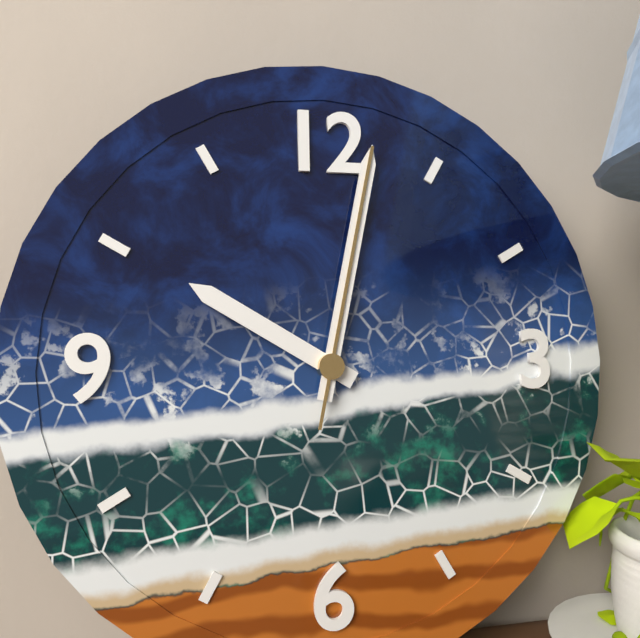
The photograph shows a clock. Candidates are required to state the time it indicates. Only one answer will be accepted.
10:02:02
